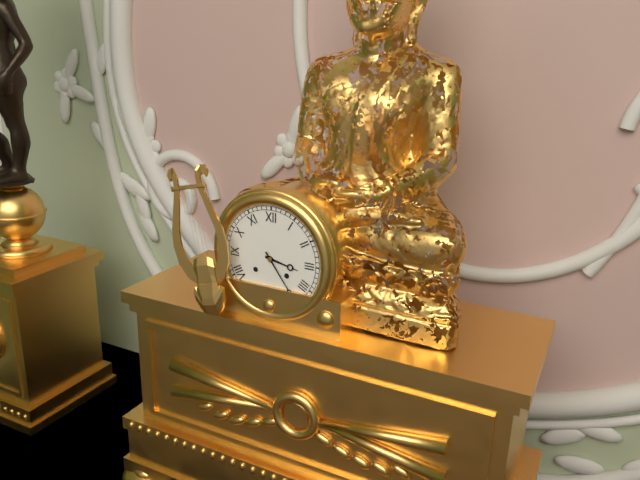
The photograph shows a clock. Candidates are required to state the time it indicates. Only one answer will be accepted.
3:24
